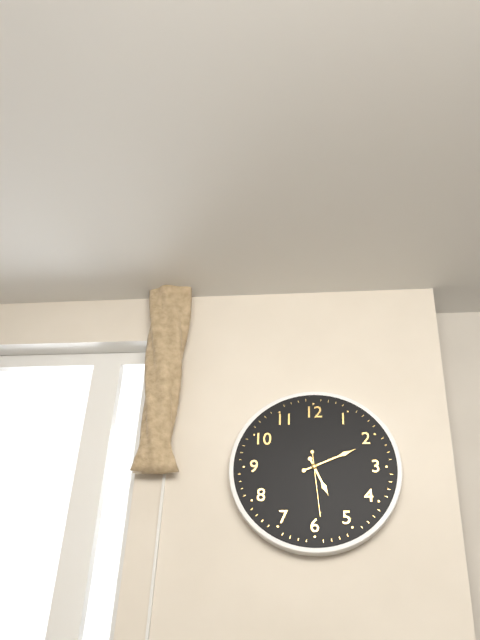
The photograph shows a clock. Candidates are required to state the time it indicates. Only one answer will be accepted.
5:11:29
